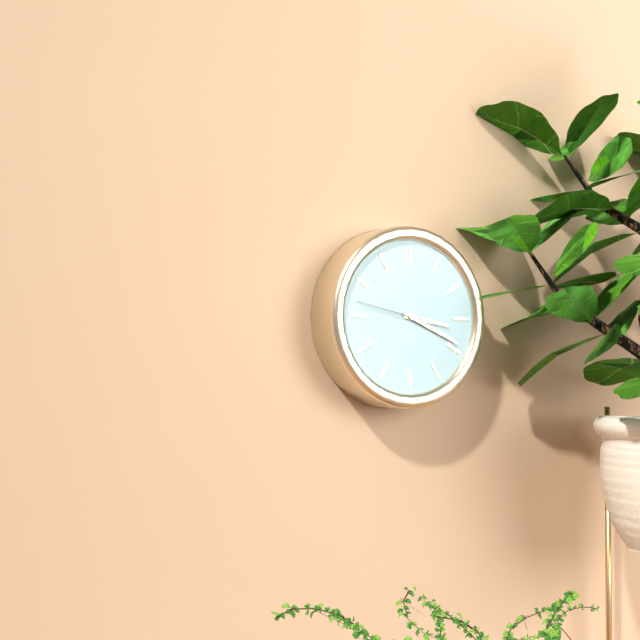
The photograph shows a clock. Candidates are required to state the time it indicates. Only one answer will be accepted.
3:19:47
